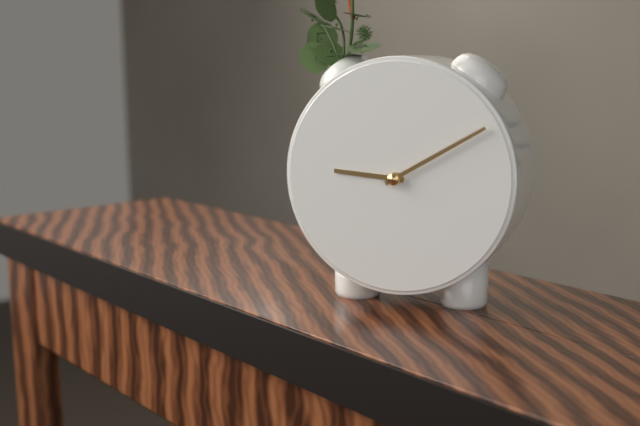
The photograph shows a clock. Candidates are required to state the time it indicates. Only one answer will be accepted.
9:10
